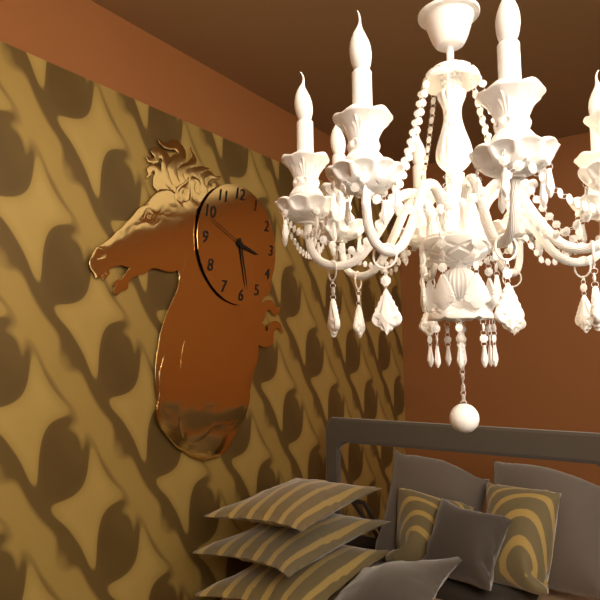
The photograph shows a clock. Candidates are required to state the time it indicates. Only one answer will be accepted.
3:28:49
